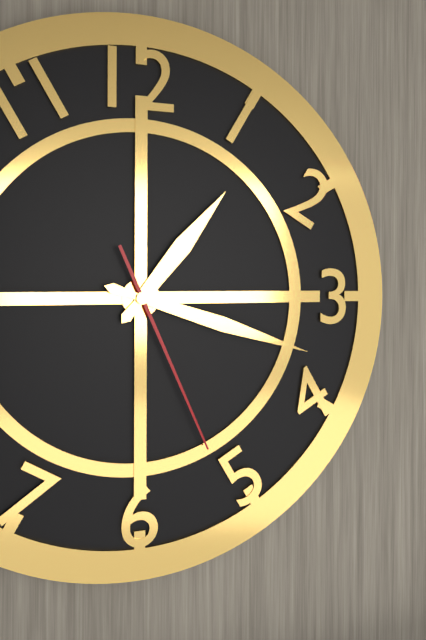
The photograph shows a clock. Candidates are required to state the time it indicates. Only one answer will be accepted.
1:18:26
